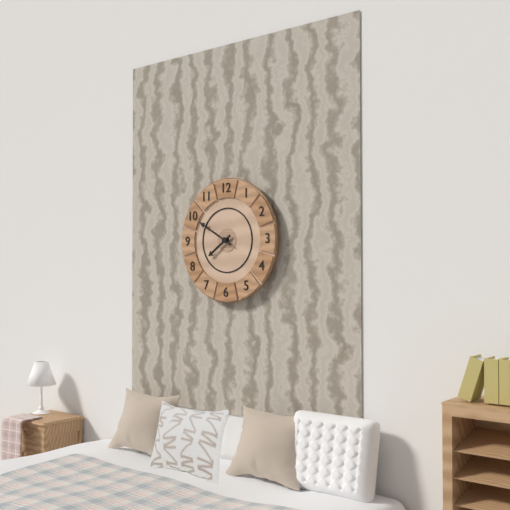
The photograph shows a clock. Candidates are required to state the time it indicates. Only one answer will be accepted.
7:50
